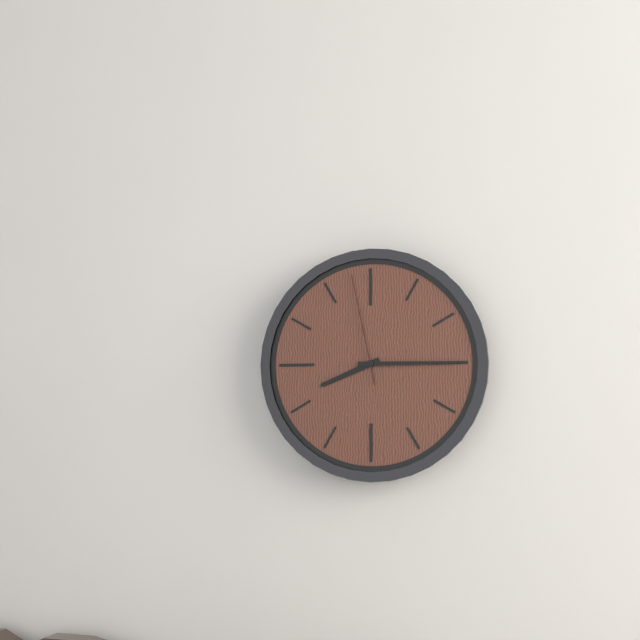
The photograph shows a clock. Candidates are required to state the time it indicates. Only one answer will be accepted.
8:15:58
